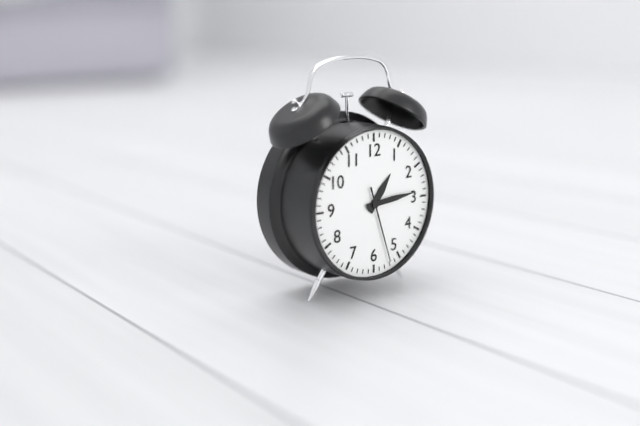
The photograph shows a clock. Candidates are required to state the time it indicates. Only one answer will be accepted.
1:14:27
